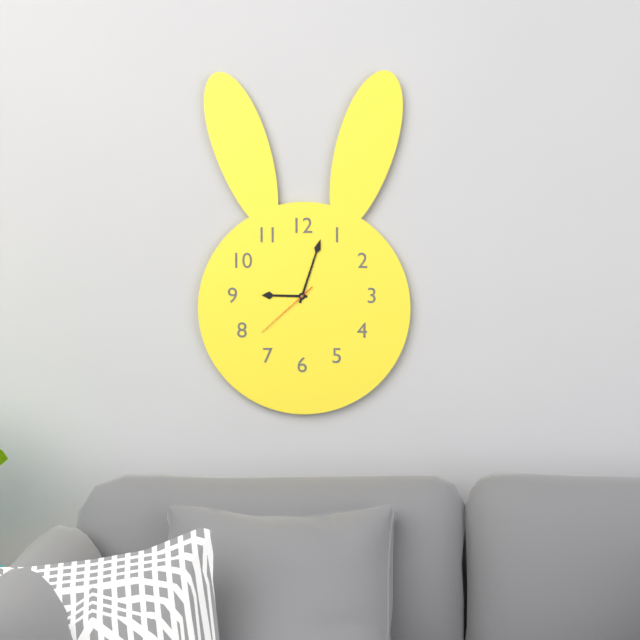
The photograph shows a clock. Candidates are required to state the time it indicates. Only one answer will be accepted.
9:03:38
